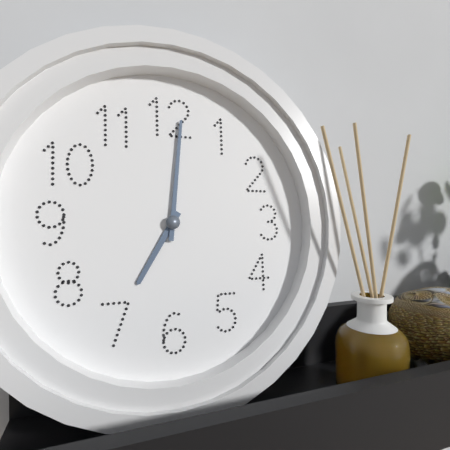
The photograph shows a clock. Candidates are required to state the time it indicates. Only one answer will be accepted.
7:01
